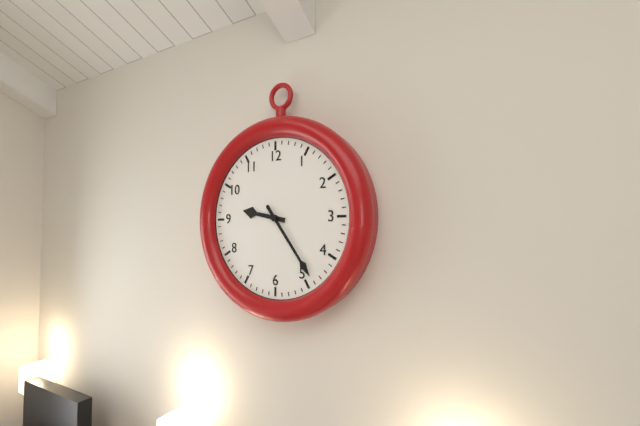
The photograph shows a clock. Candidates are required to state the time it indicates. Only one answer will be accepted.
9:24
